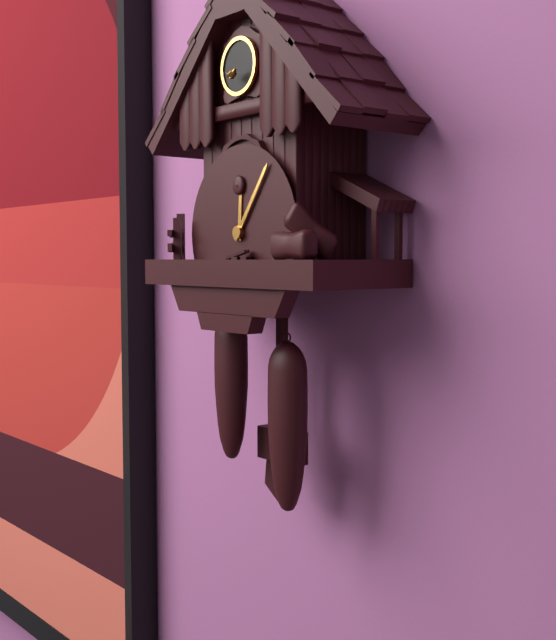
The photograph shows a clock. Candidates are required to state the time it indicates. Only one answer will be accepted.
12:06
